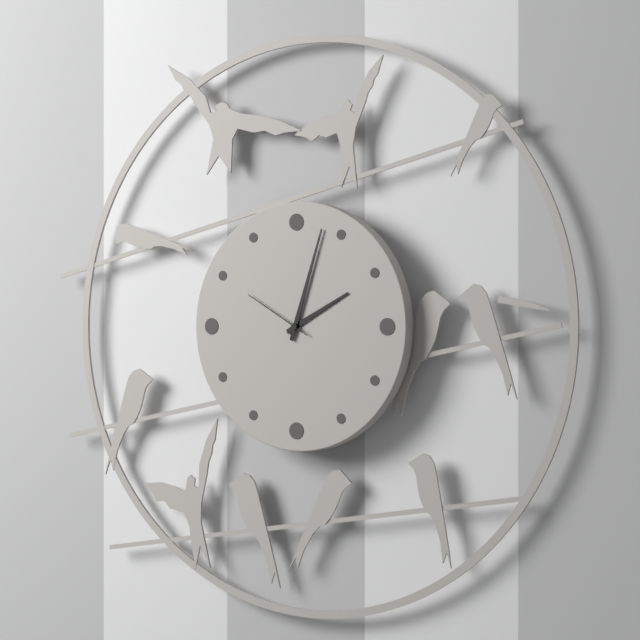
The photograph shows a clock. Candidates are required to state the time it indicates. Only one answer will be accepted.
2:03:50
